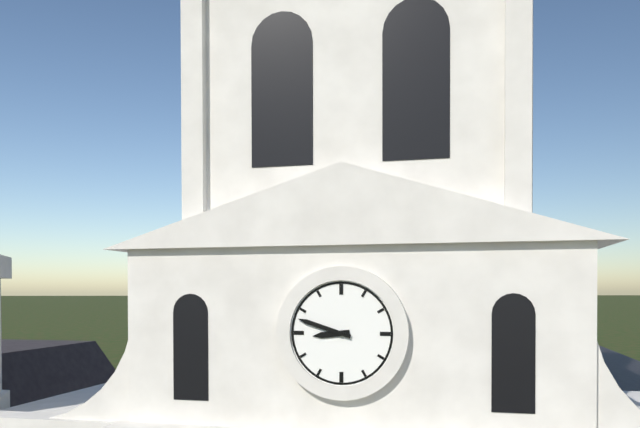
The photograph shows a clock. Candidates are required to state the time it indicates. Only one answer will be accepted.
8:48
